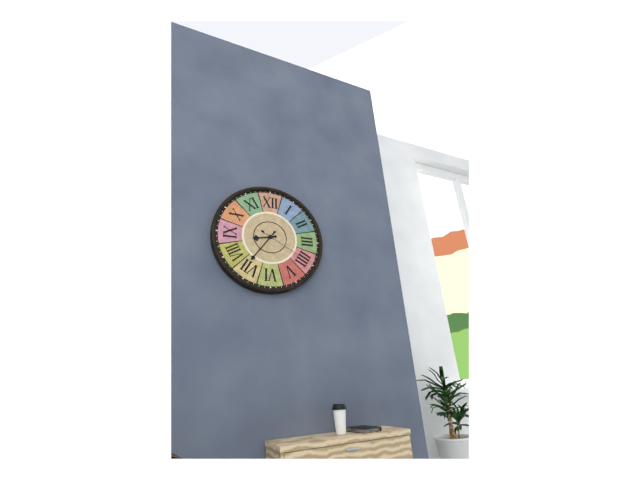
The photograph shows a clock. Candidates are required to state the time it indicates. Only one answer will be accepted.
8:36
